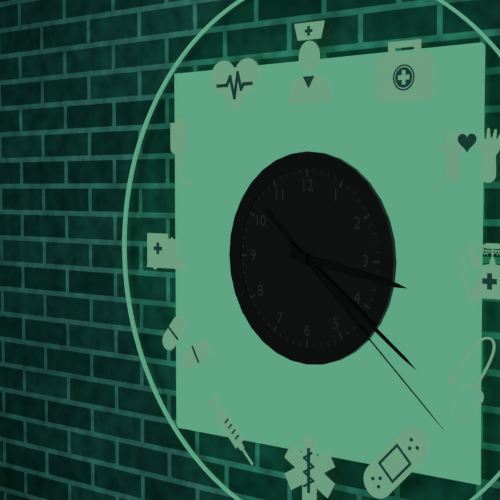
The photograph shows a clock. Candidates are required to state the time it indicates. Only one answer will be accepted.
3:21:22
